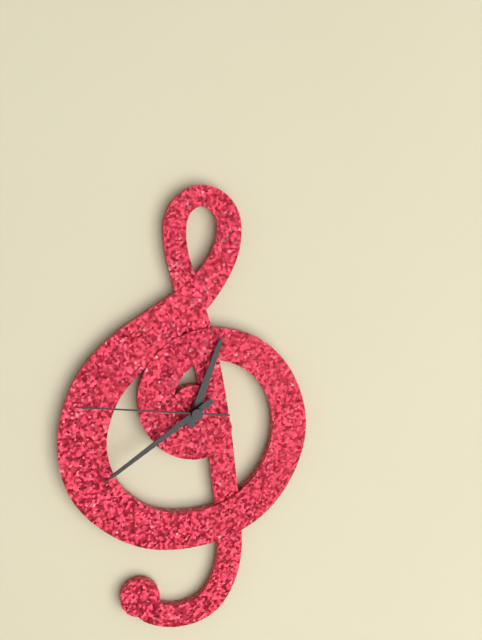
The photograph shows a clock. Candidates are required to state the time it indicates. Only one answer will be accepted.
12:39:46
